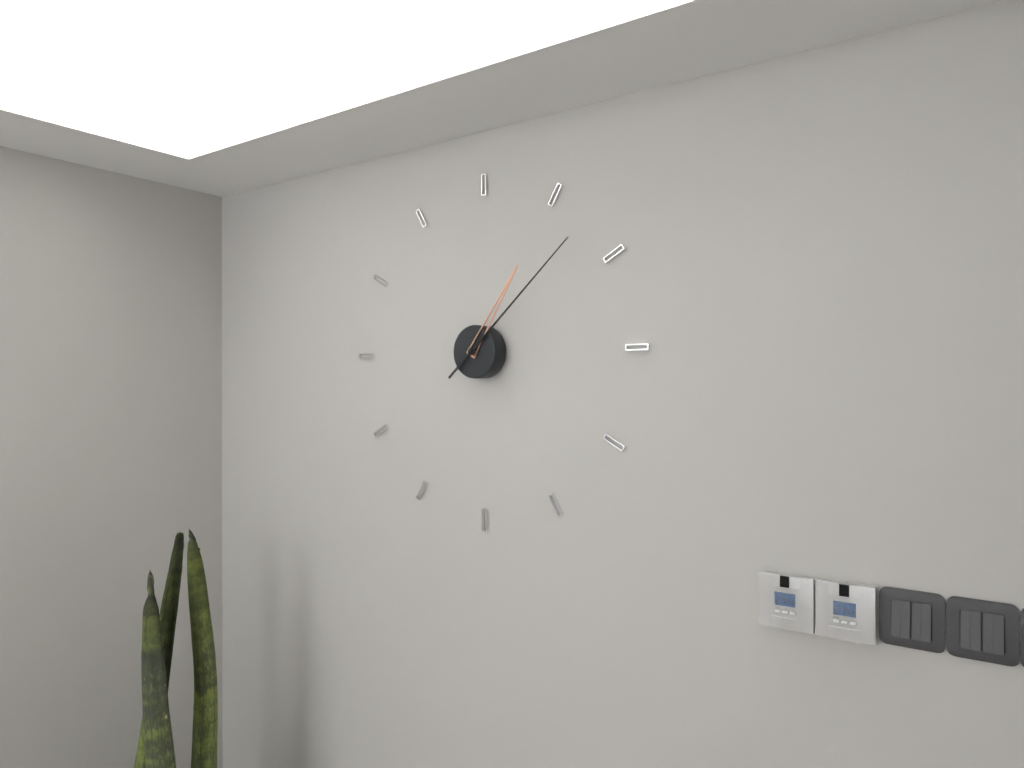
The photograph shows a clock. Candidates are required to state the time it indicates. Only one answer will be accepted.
1:08
